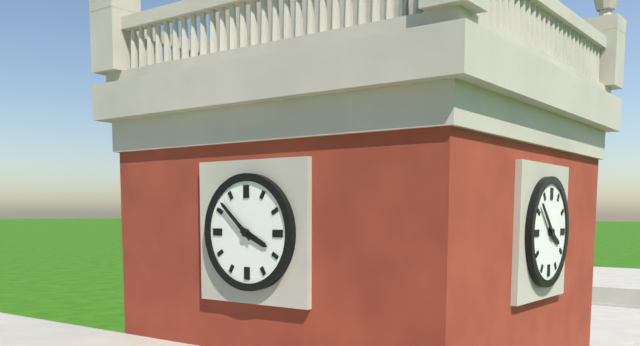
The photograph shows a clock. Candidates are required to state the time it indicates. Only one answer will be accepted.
3:52
